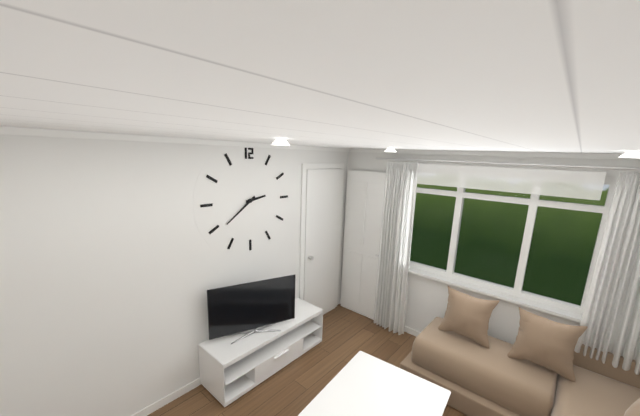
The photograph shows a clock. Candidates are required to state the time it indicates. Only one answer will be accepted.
2:39
